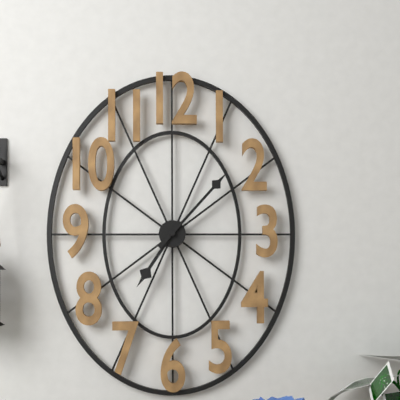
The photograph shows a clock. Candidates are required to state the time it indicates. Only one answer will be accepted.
7:07
